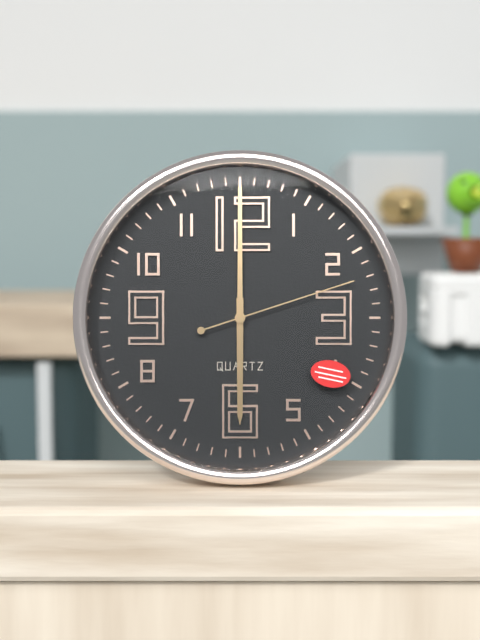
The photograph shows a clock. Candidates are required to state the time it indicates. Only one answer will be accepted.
6:00:12
